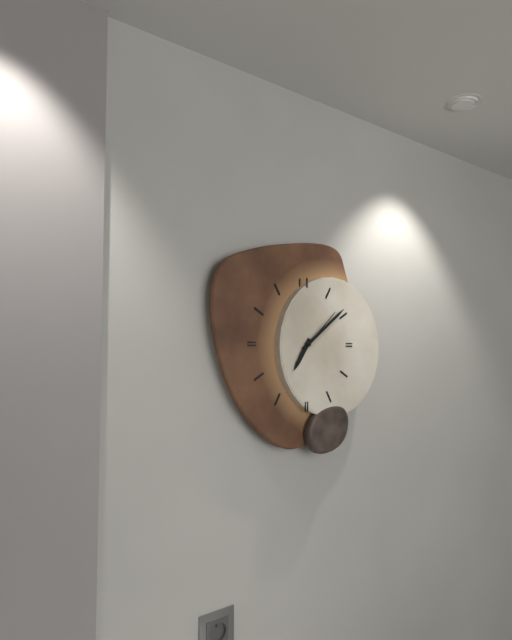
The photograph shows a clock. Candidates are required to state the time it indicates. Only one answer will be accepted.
7:09:08
